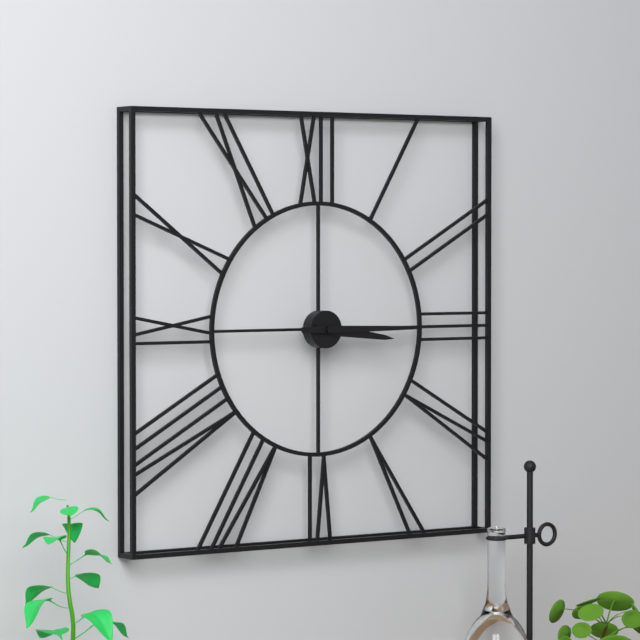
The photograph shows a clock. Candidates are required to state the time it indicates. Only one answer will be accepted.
3:15
